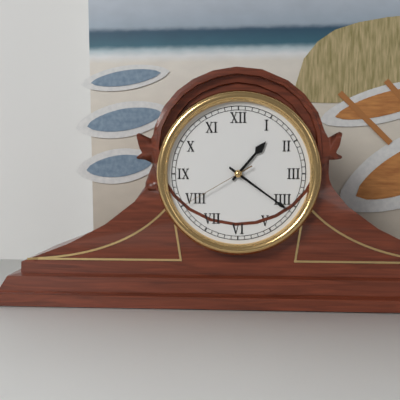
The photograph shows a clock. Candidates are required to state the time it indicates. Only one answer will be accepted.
1:21:40
